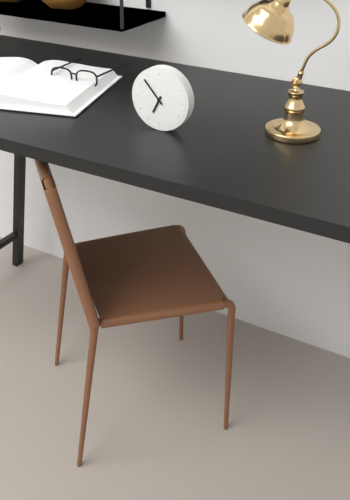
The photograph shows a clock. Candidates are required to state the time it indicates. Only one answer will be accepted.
6:53
